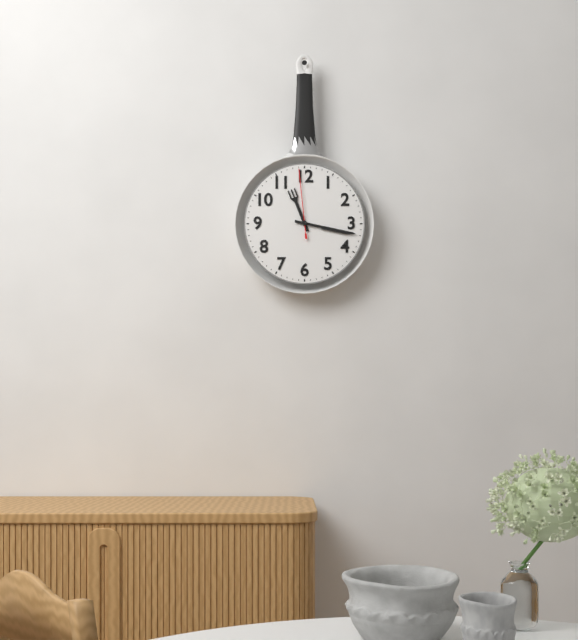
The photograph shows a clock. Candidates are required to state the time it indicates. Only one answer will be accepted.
11:17:59
